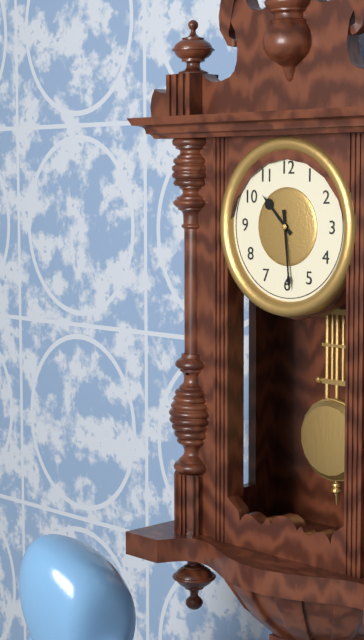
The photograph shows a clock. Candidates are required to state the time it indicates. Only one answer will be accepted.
10:29
